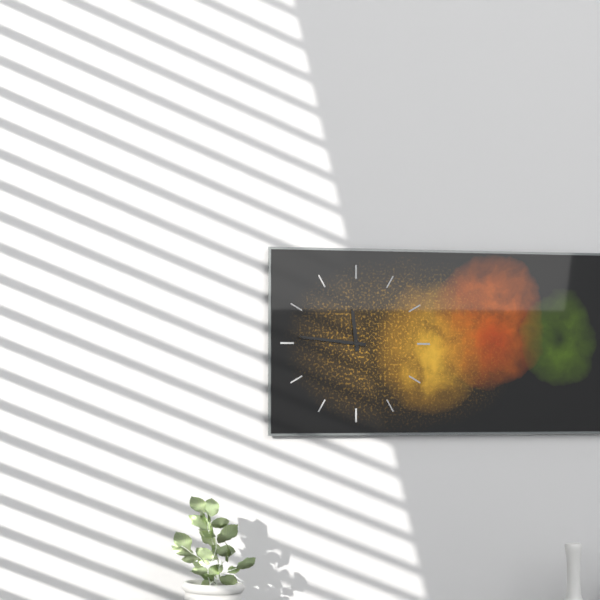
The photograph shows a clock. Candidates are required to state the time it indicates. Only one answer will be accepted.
11:46
